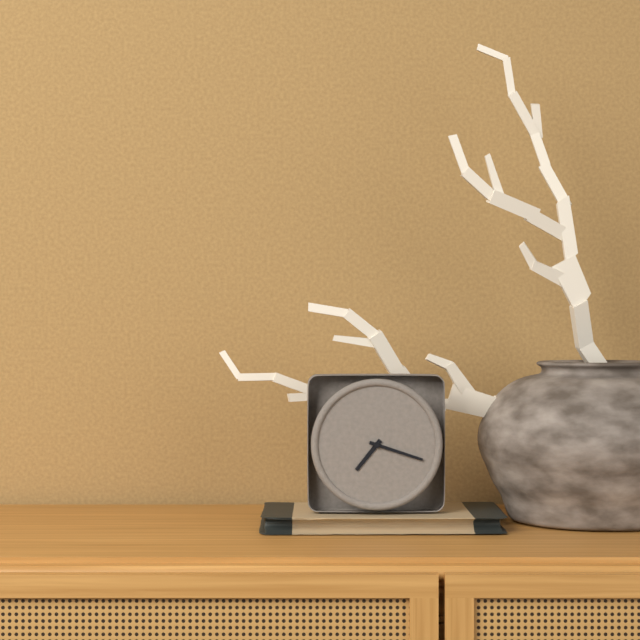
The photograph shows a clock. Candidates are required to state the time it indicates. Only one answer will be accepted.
7:18
